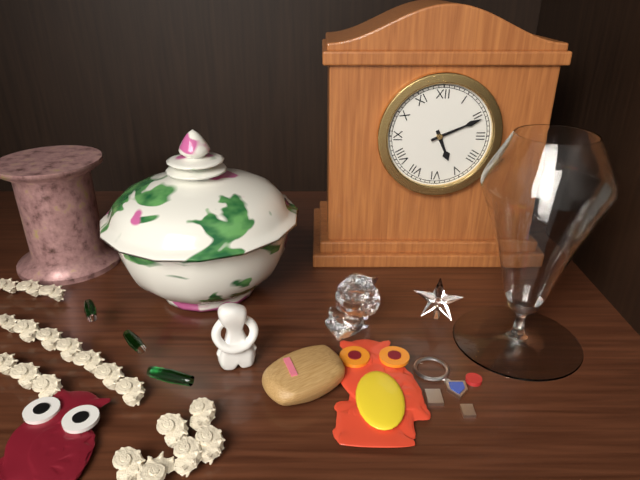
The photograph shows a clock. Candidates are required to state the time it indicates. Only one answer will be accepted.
5:11
